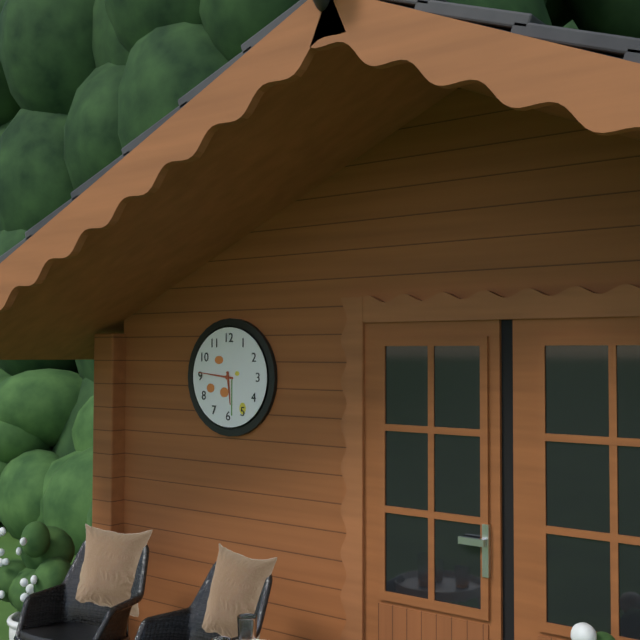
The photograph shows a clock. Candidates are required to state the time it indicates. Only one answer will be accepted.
5:46
